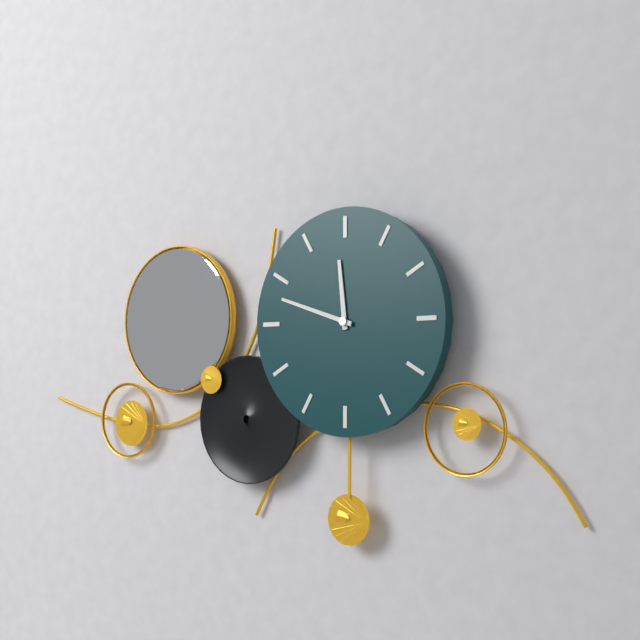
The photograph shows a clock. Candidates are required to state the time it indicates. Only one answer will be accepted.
11:48
